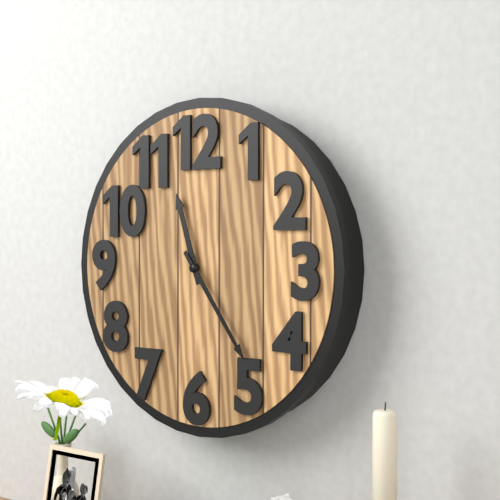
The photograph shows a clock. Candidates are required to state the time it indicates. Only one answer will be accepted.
11:24
